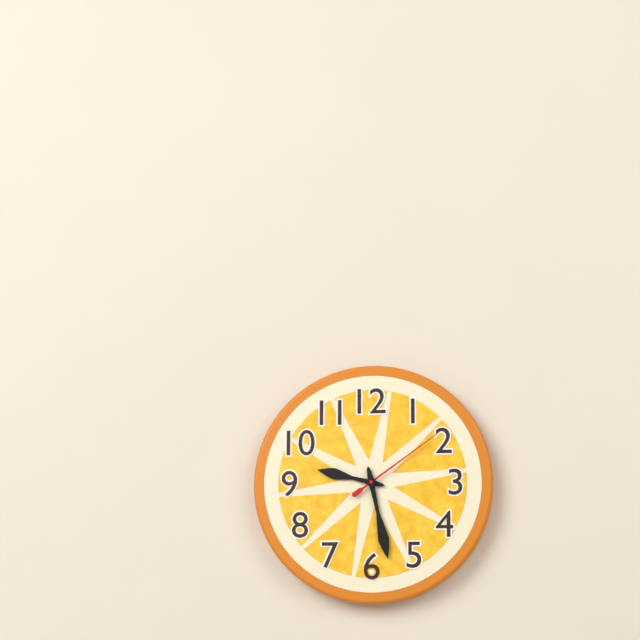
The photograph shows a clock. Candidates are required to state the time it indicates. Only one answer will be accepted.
9:28:09
